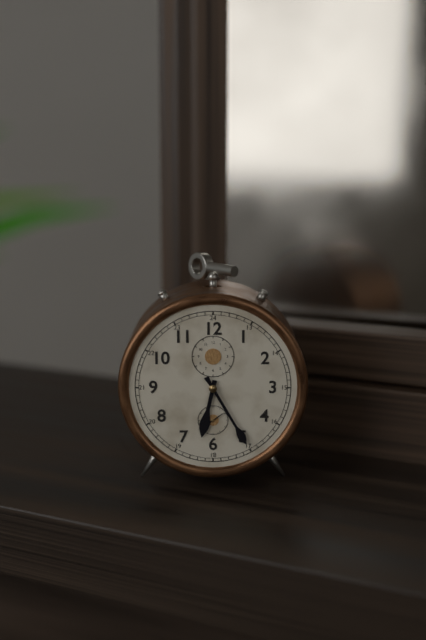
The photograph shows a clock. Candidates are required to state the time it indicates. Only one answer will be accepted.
6:25
